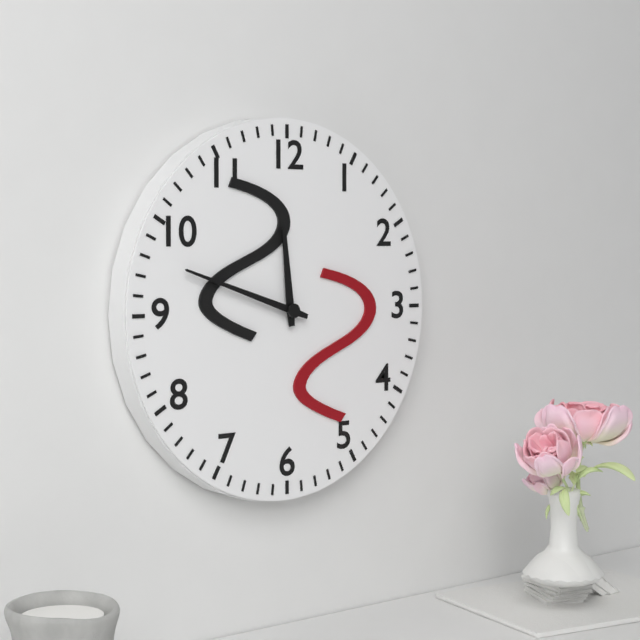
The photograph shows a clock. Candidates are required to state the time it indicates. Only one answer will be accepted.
11:48
